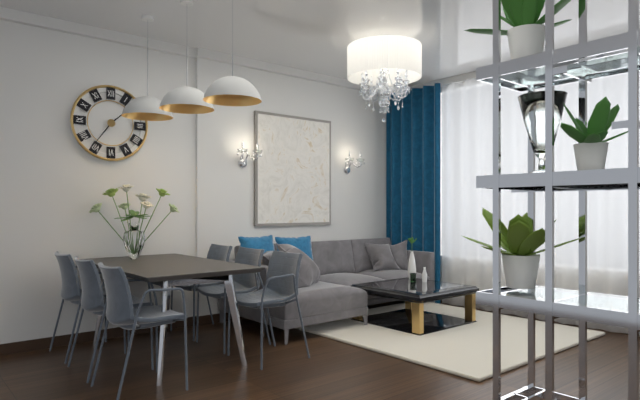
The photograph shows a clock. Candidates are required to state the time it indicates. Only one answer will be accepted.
1:36
